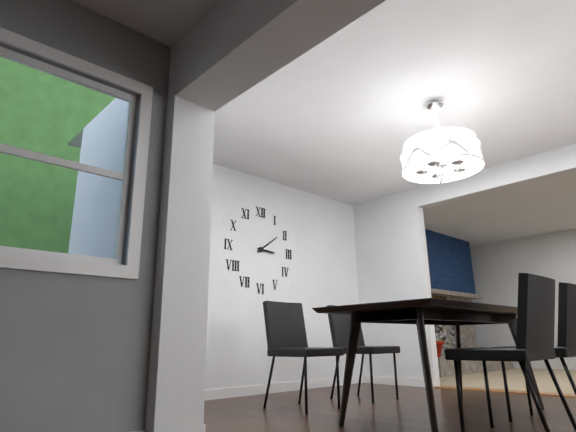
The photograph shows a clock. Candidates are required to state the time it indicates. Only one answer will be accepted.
3:09
